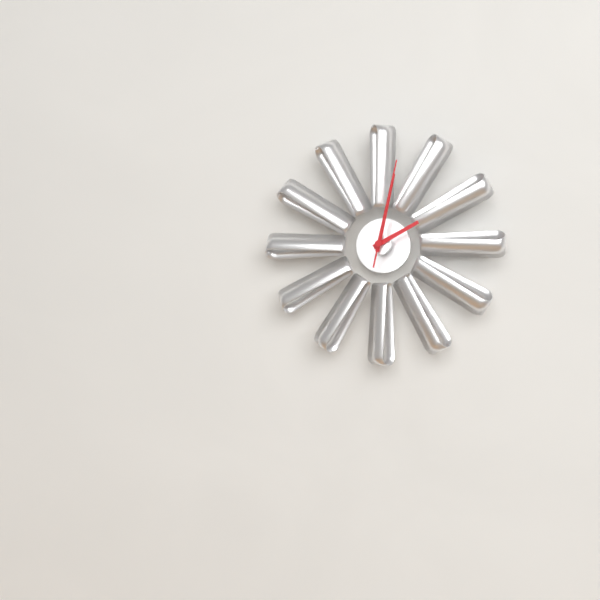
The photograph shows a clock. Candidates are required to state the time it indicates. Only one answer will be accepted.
2:02:02
